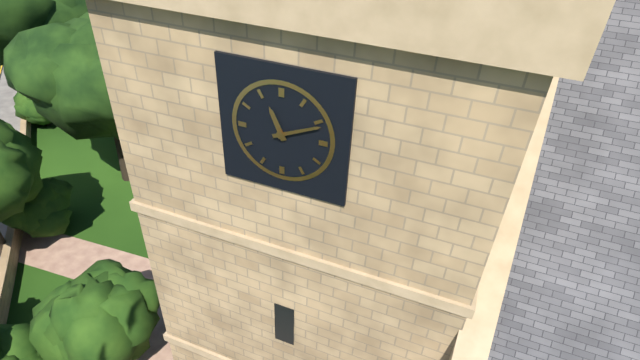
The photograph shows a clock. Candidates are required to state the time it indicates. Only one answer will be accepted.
11:11
